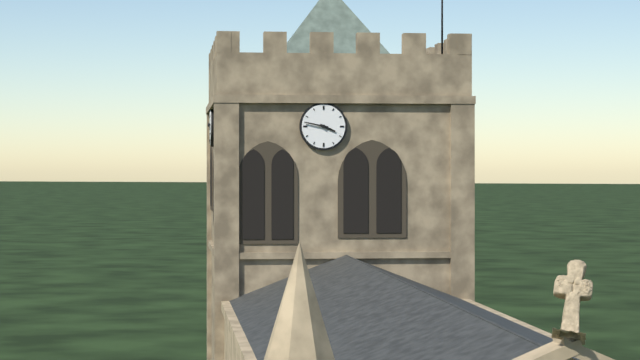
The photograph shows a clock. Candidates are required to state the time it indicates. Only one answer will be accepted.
3:47
